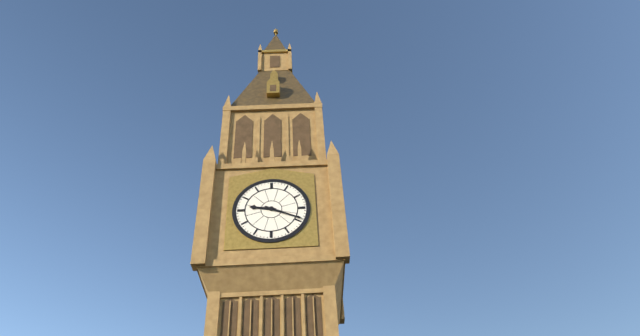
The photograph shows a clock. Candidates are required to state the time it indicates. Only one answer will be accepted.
9:19
